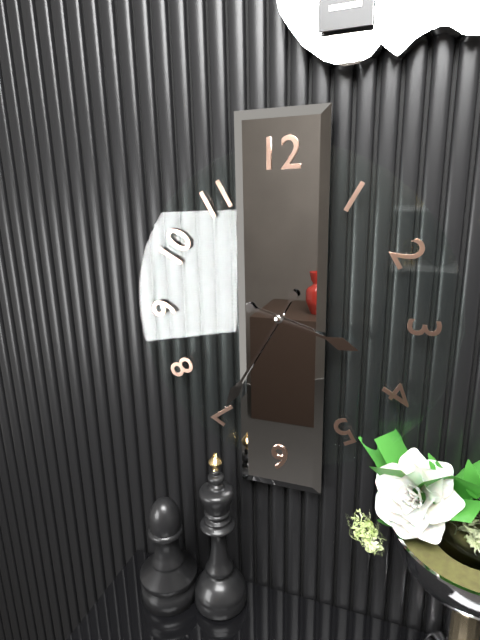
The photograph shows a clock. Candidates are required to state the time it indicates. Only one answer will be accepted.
3:35
